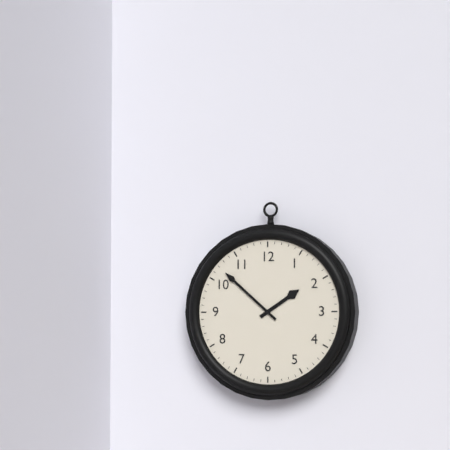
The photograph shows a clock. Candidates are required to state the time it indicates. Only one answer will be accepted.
1:52
